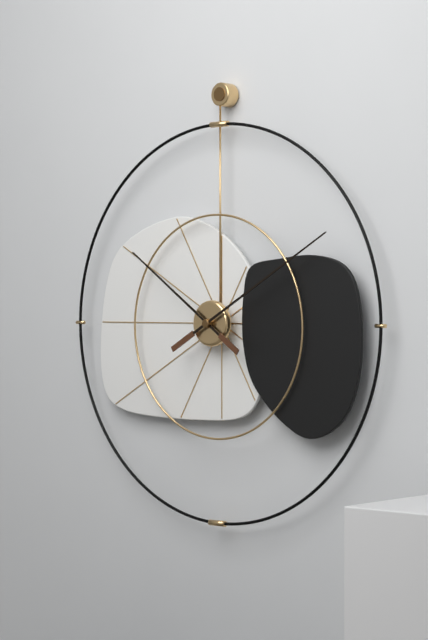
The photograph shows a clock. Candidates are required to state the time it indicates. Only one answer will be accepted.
10:10
